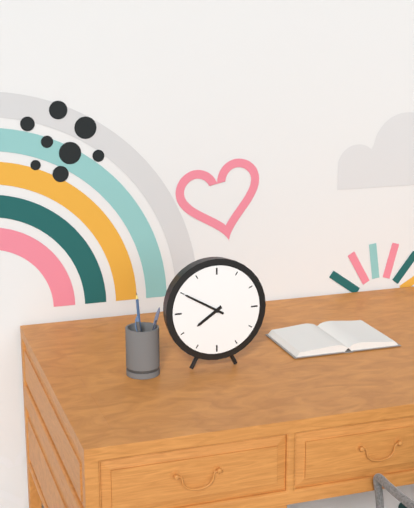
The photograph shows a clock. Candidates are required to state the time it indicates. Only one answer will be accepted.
7:50
